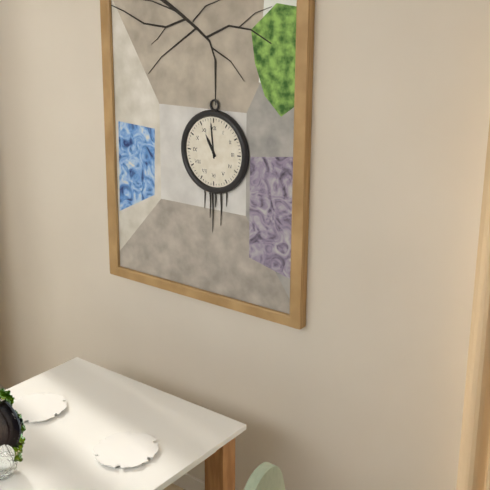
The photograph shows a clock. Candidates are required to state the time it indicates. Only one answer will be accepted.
10:59
